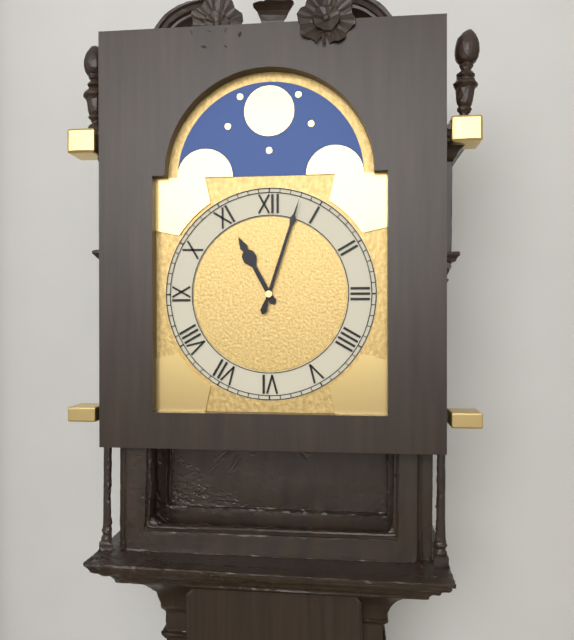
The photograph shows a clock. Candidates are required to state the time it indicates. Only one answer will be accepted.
11:03
